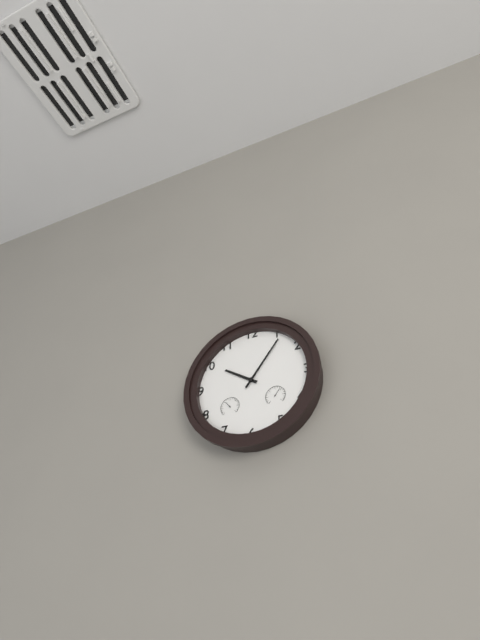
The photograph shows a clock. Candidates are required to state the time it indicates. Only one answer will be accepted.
10:06
